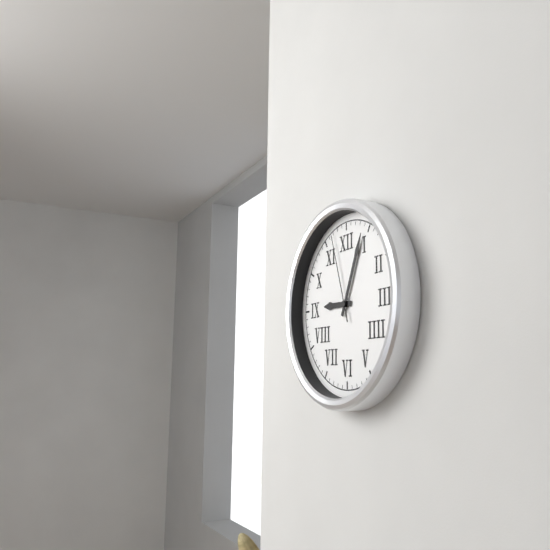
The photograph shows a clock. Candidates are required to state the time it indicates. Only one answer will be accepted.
9:04:57
